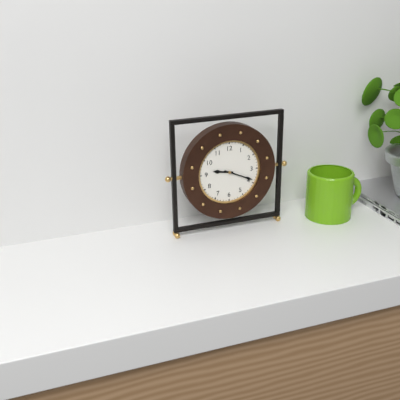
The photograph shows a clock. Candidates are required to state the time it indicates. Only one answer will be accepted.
9:19
